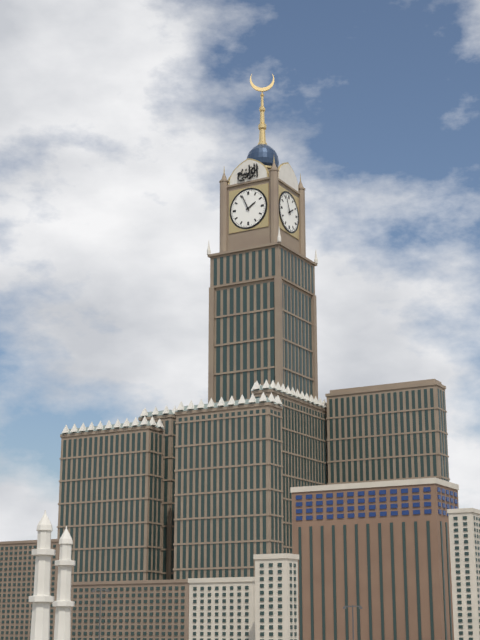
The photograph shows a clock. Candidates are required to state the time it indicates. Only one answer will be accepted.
1:56
